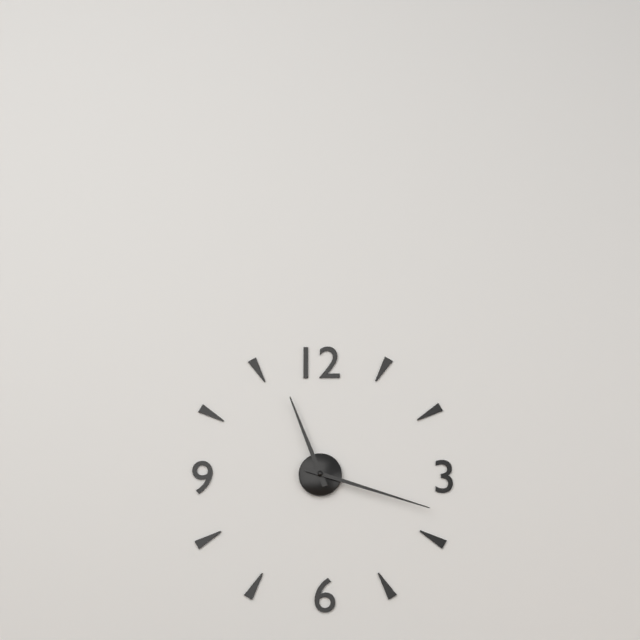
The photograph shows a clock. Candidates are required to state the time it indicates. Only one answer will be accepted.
11:18
